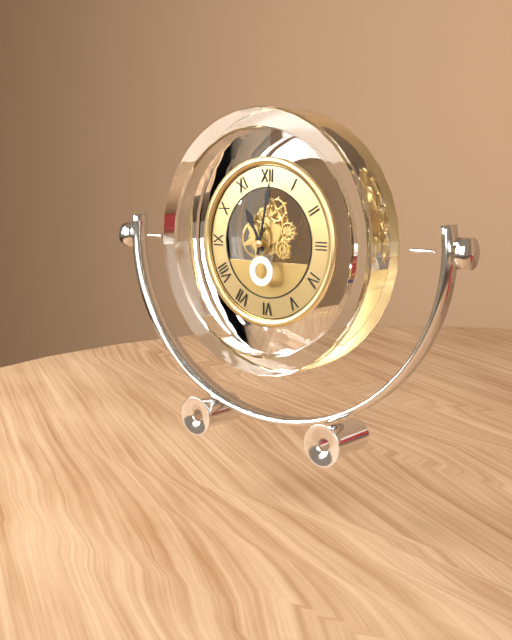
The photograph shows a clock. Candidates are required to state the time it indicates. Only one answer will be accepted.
11:02
